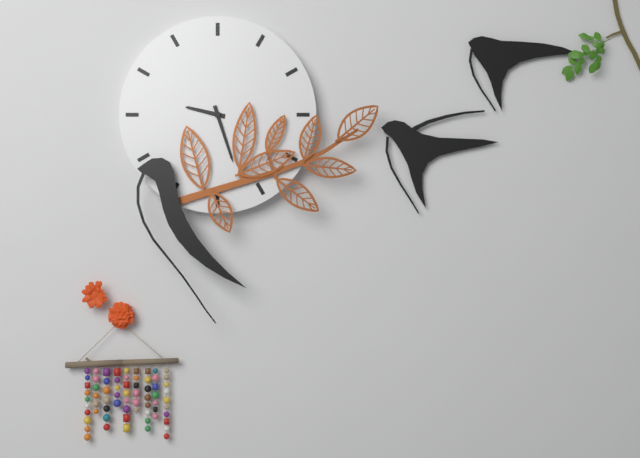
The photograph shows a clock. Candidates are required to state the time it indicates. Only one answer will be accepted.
9:27
